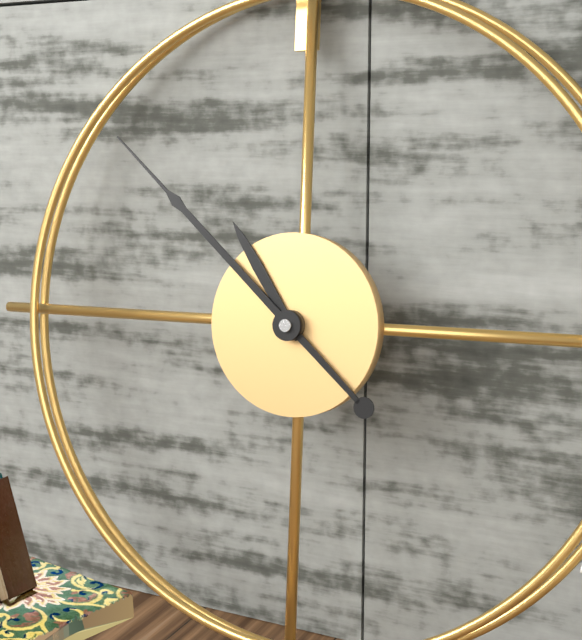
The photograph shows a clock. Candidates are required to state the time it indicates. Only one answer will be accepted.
10:52
